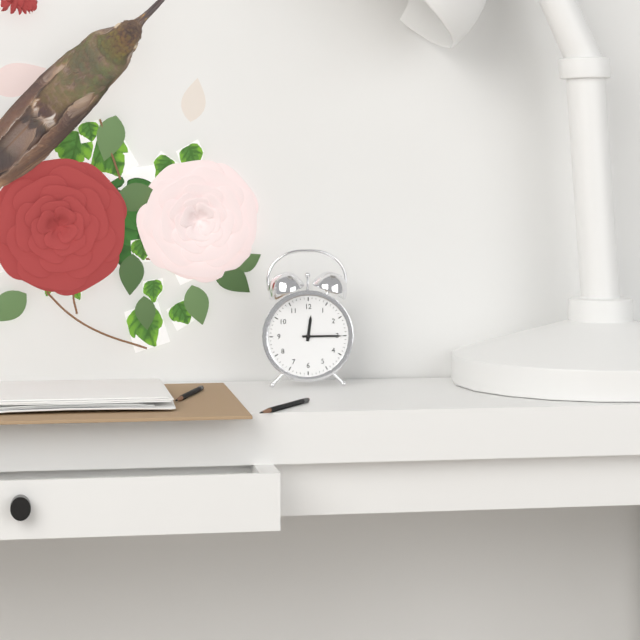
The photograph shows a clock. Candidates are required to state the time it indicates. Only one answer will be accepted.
12:15
